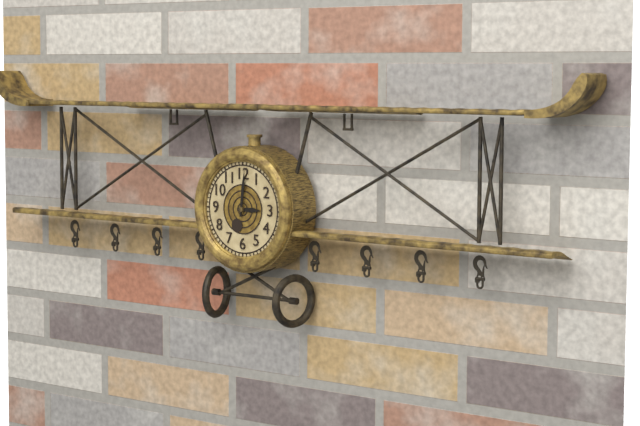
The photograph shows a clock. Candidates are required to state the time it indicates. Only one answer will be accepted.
3:01
